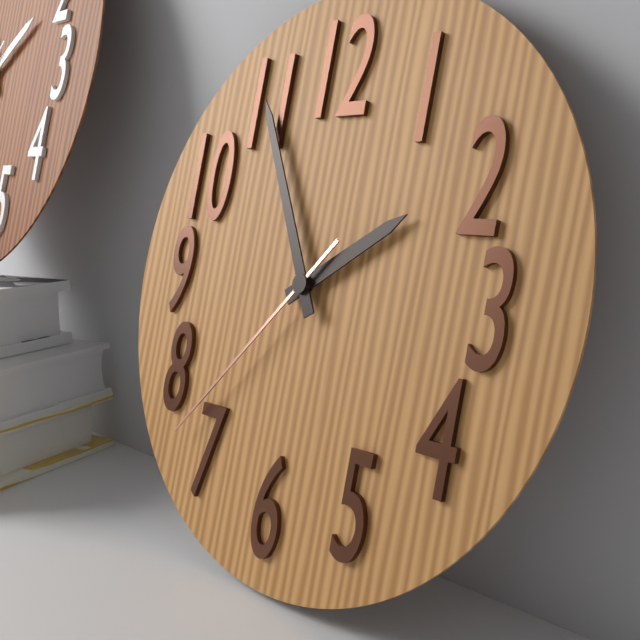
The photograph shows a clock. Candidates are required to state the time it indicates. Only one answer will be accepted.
1:55:37
